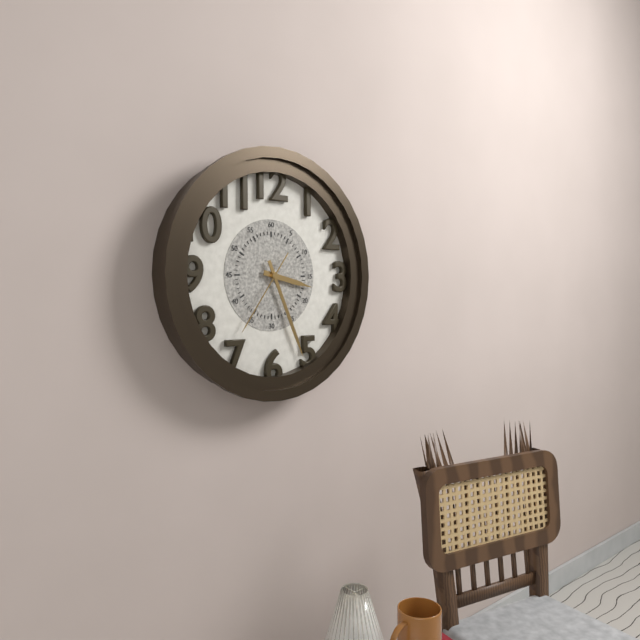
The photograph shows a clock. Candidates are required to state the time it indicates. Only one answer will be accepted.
3:26:36
